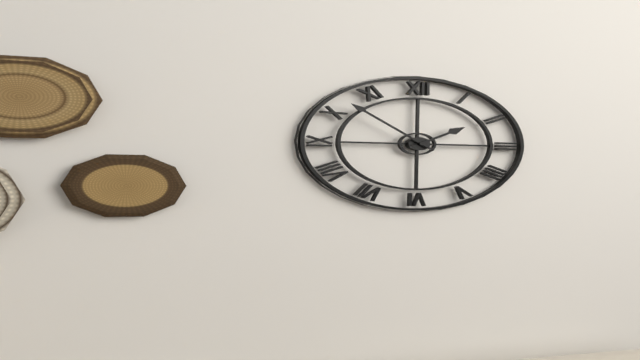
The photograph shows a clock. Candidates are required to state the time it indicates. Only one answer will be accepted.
1:52
